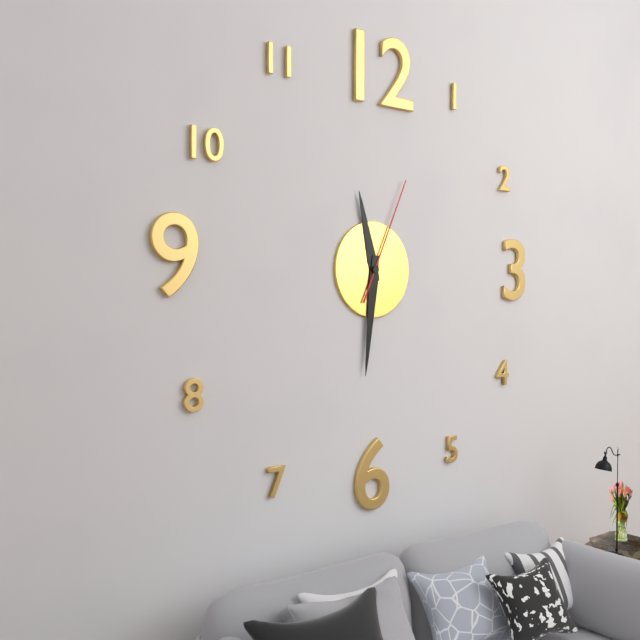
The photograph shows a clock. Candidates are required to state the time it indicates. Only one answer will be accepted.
11:31:04
